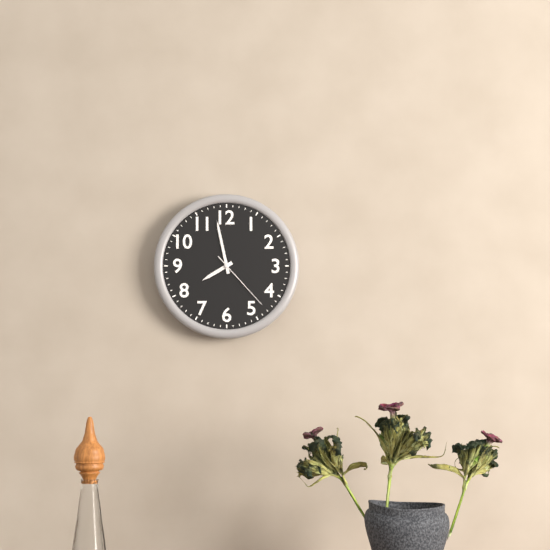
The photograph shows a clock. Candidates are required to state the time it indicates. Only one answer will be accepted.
7:58:23
